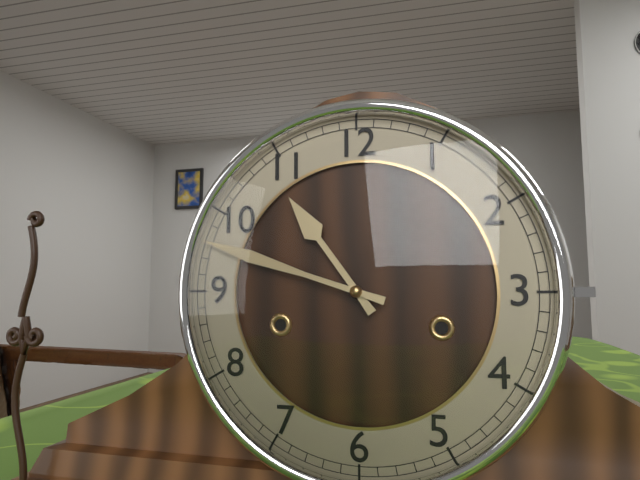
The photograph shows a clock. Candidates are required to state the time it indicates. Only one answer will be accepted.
10:48
